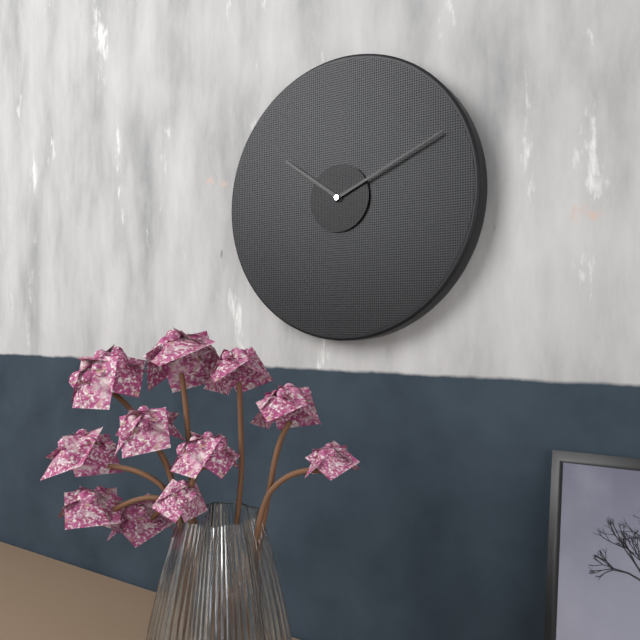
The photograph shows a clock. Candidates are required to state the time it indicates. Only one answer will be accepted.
10:11
